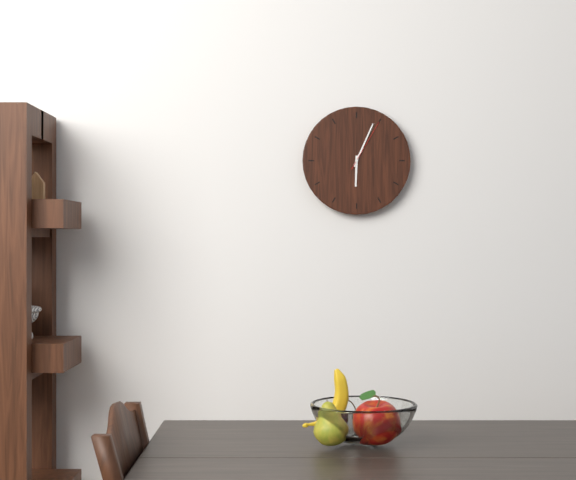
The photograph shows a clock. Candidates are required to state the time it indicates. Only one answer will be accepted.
6:04:05
